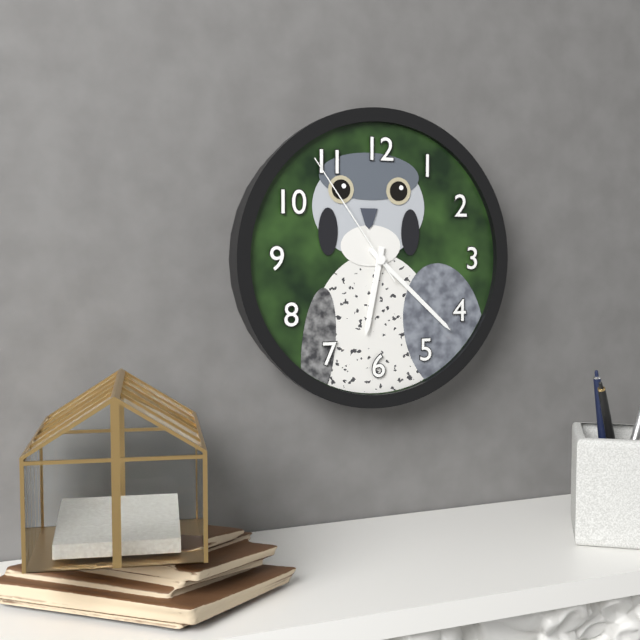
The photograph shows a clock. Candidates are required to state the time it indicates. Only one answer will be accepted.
6:22:54
